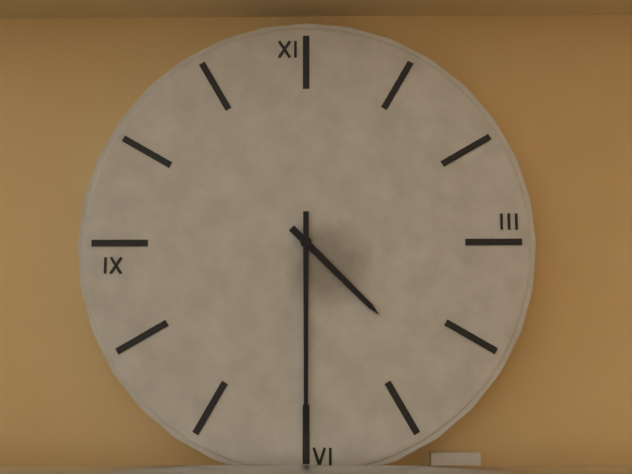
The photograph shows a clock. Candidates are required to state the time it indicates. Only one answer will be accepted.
4:30
